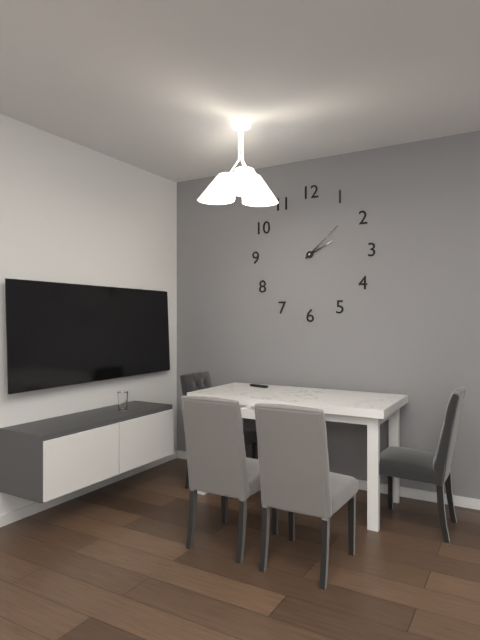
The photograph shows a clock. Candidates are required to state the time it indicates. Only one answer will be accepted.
2:08
